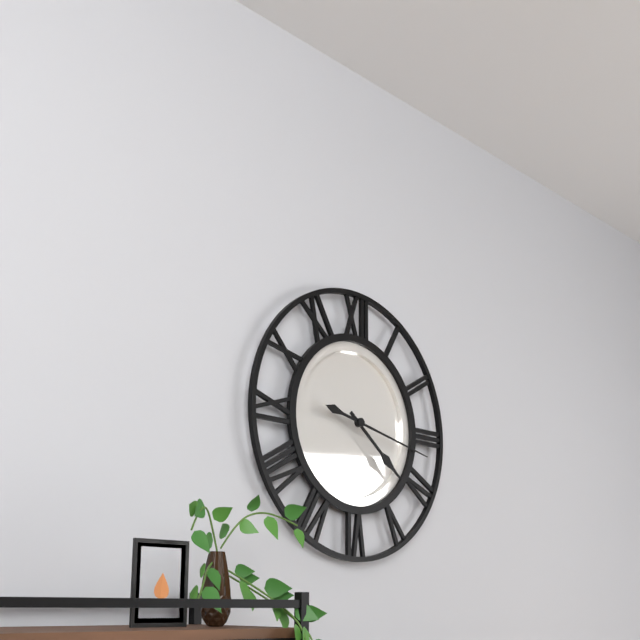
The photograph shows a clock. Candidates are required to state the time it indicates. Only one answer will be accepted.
4:17
